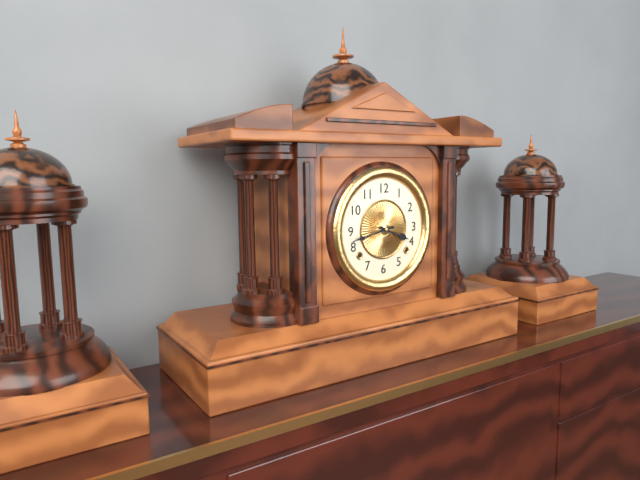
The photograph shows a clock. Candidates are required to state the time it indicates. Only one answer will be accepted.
3:43
